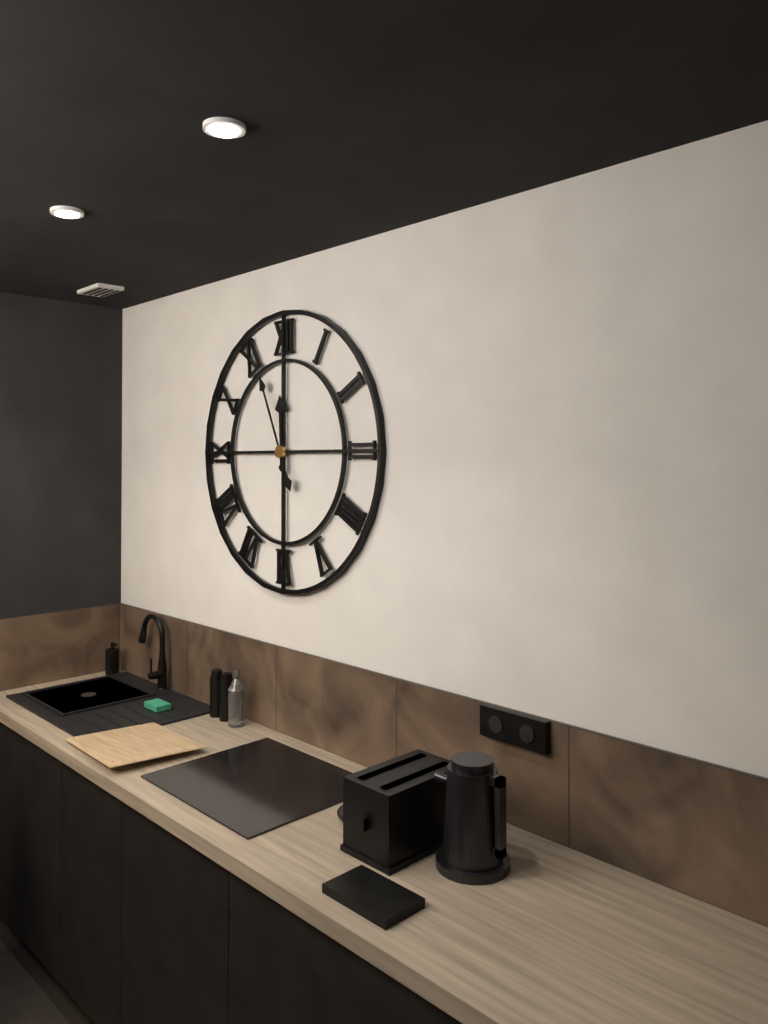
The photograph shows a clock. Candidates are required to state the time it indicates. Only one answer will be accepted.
11:56
